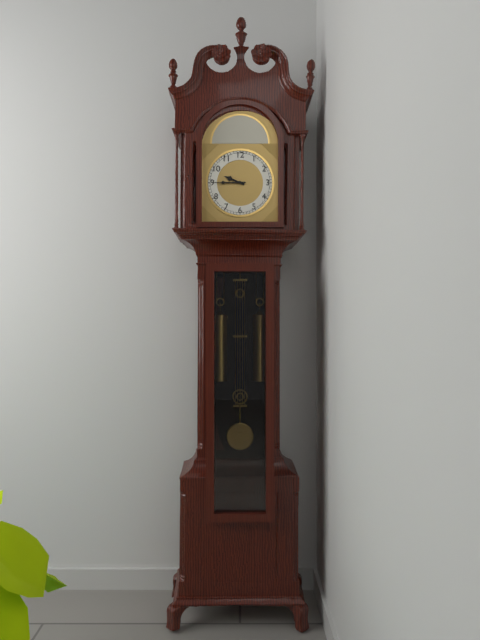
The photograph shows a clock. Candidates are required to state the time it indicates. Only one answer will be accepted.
9:45
